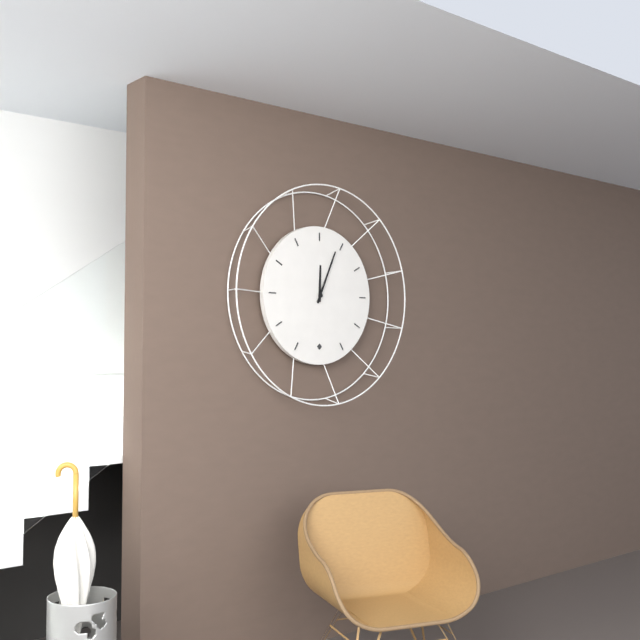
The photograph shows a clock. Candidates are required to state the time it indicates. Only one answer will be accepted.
12:04
